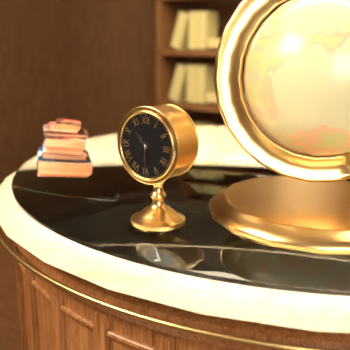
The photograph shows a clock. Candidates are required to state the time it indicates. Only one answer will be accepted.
10:30
